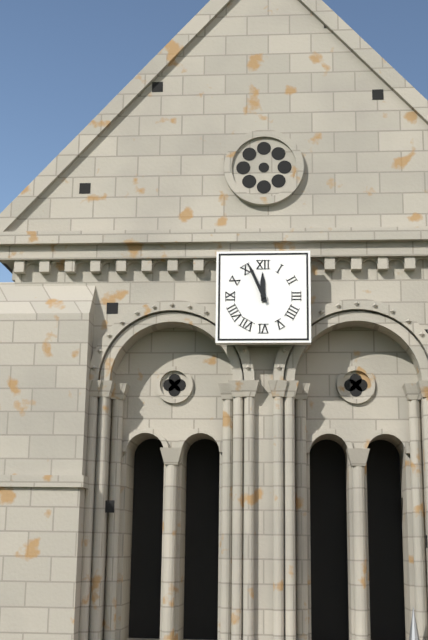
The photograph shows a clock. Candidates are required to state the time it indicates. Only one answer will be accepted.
11:56
